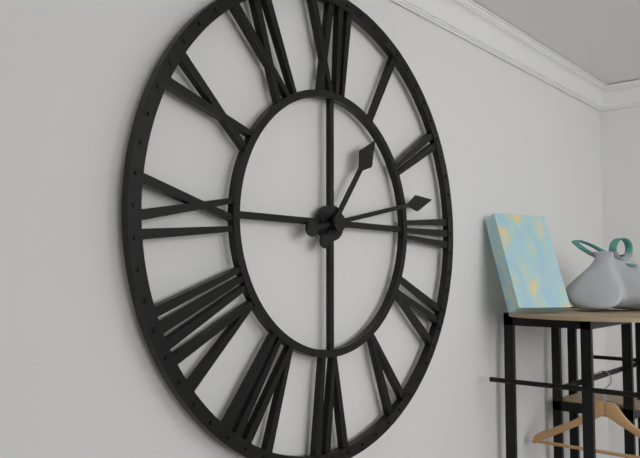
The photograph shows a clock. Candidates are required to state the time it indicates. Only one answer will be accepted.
1:13
